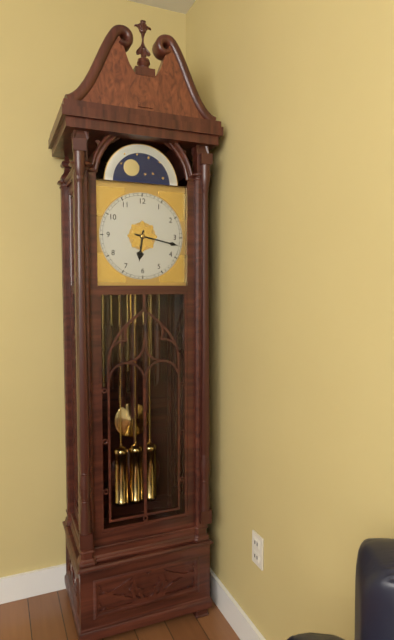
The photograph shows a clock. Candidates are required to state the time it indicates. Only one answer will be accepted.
6:17
